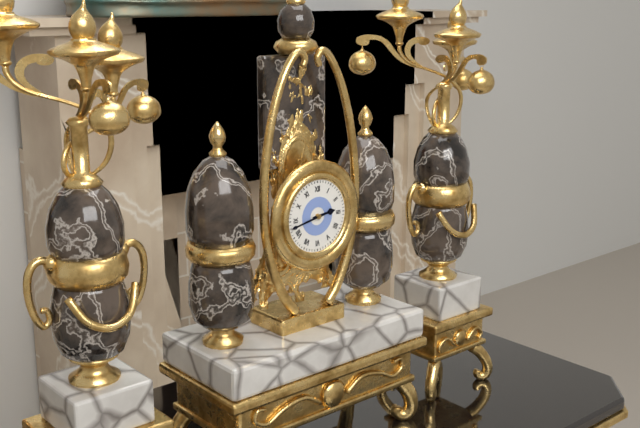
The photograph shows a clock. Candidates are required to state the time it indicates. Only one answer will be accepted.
2:43
